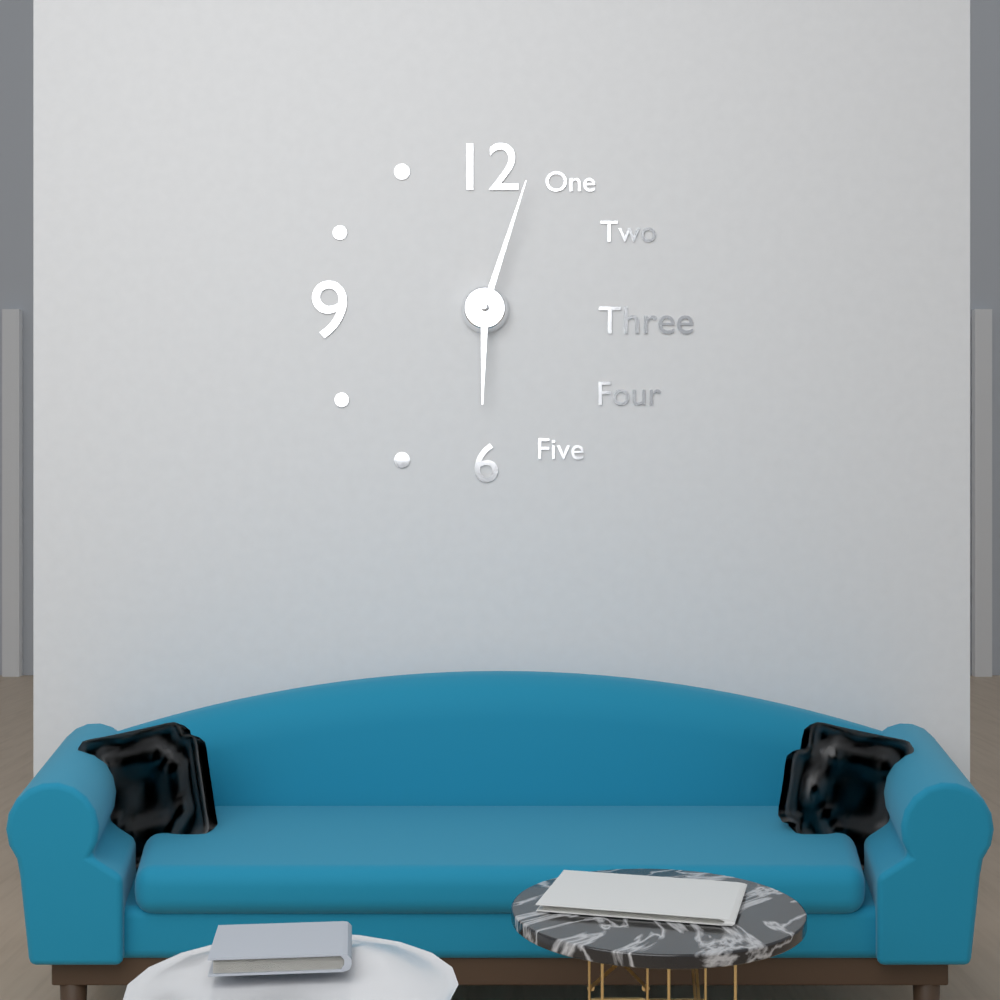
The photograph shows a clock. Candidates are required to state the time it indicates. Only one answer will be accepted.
6:03
